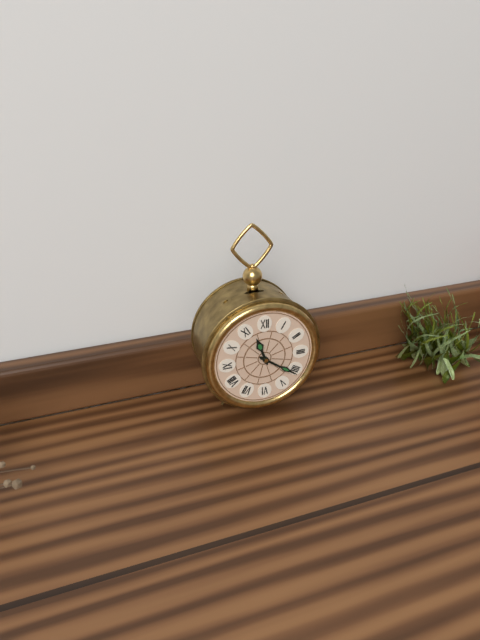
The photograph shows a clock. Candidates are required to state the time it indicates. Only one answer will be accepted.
11:21
